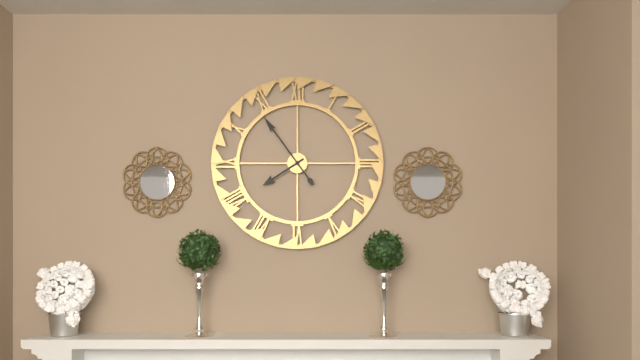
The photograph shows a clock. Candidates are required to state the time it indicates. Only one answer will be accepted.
7:54
